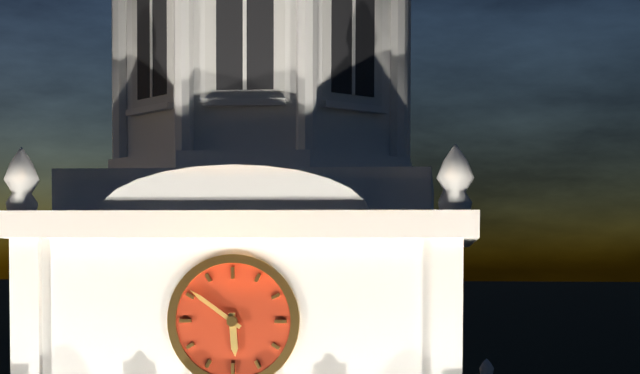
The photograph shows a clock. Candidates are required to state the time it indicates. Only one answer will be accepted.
5:51
